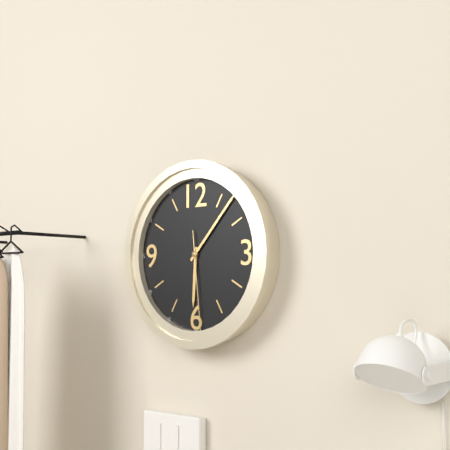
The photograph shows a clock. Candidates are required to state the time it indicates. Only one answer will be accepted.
6:07:29
